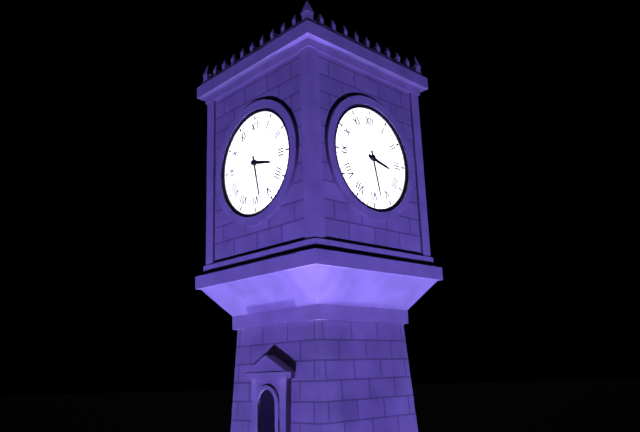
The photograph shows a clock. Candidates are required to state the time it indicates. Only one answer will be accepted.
3:28
